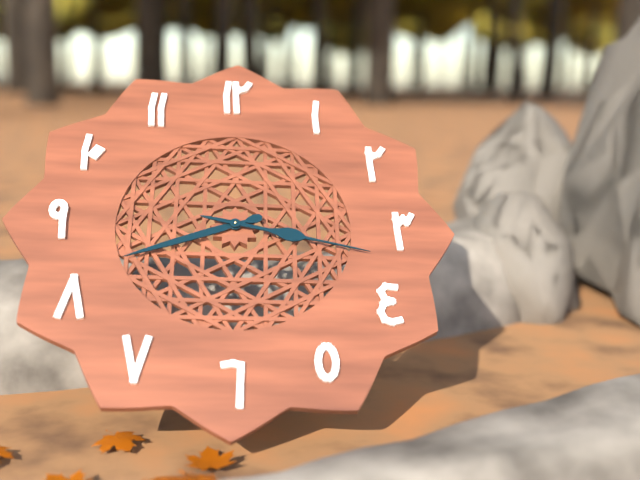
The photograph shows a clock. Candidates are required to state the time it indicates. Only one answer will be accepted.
8:17
